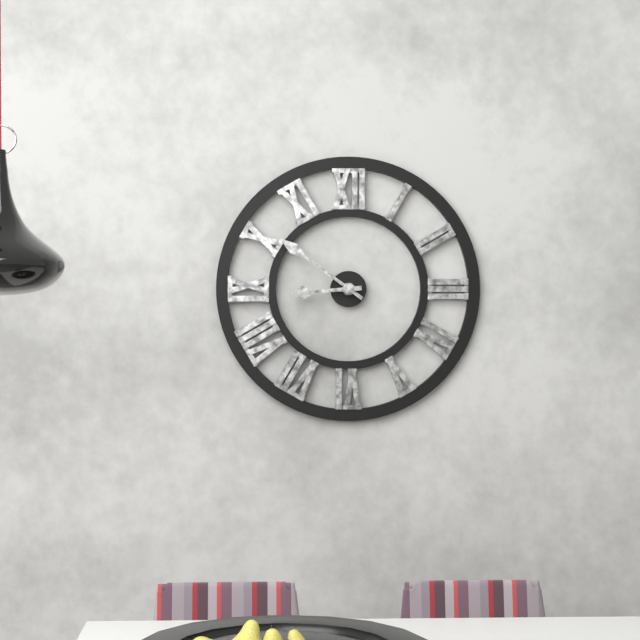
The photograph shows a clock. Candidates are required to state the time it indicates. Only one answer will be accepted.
8:51
